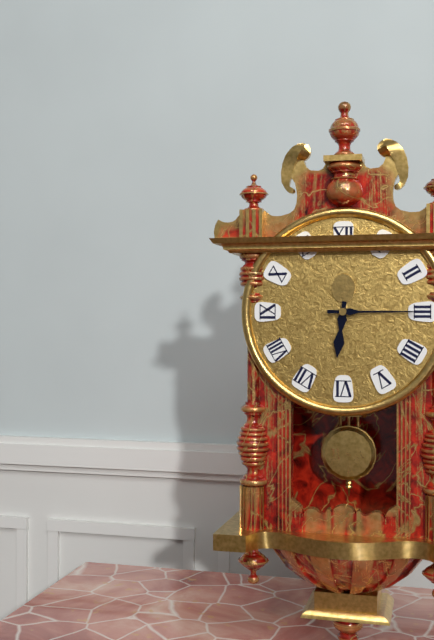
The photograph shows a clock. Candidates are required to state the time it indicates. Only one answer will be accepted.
6:15
